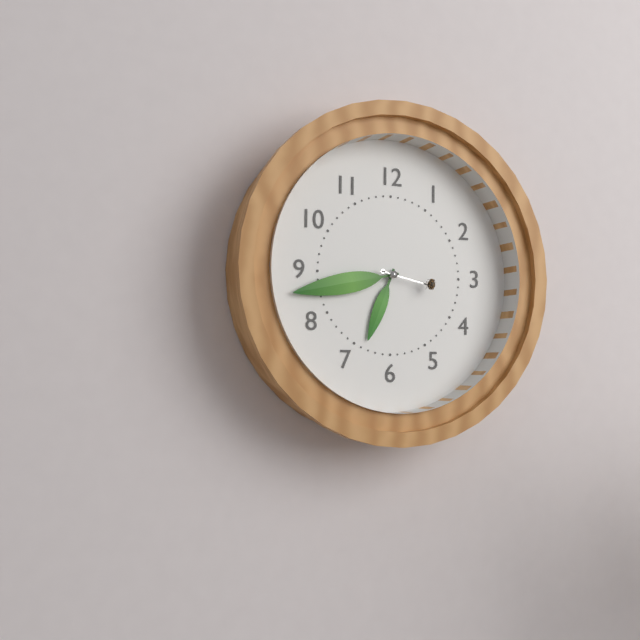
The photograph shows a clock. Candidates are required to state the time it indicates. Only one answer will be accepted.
6:43:17
